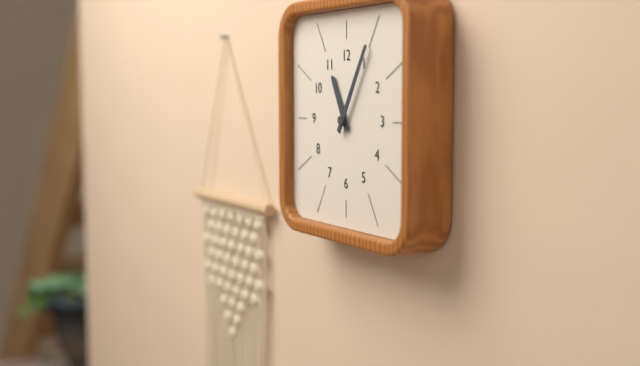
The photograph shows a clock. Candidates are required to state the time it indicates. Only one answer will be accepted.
11:05
